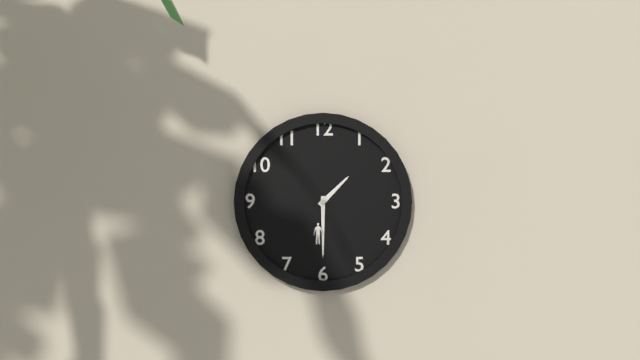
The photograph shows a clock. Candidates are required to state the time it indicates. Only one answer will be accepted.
1:30
